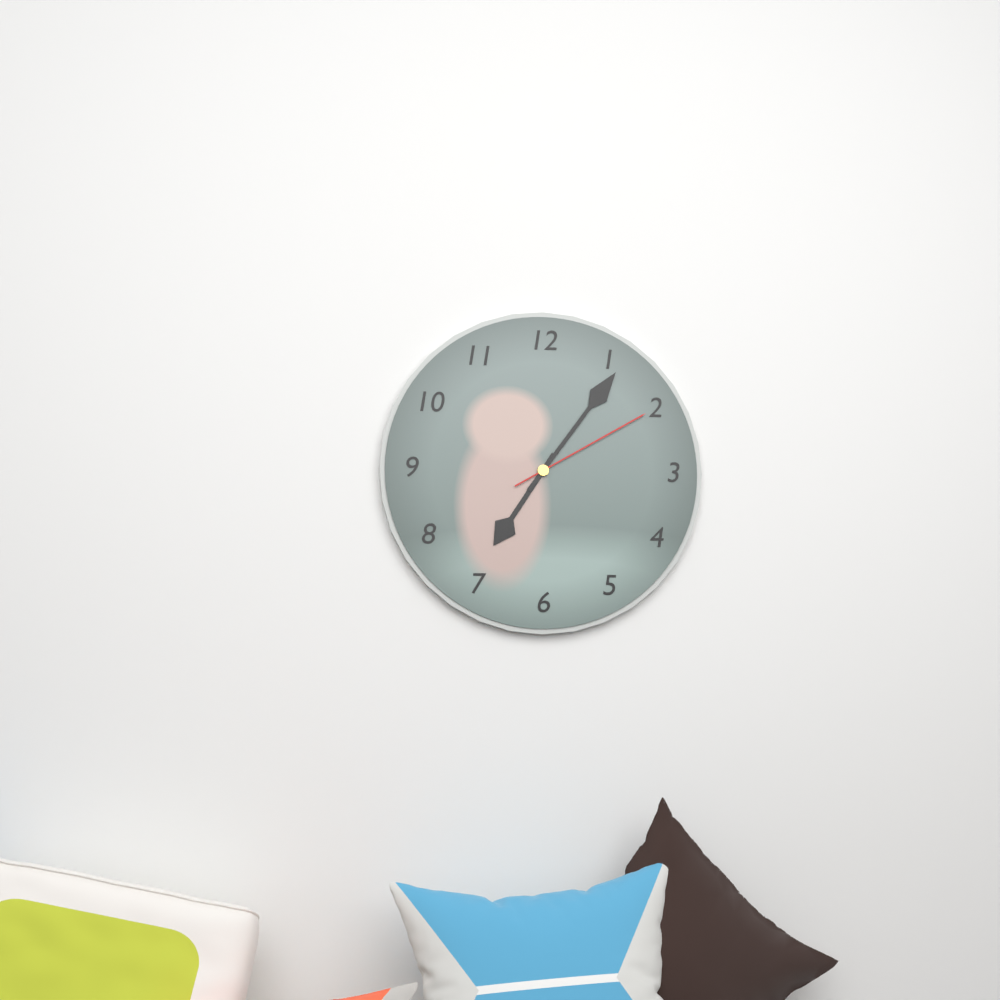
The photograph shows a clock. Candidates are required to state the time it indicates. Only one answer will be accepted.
7:06:10
